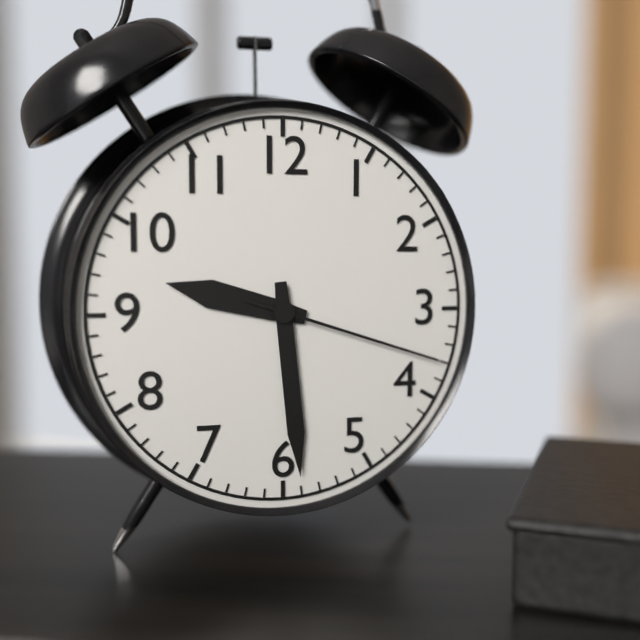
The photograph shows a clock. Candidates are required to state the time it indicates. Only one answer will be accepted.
9:29:18
